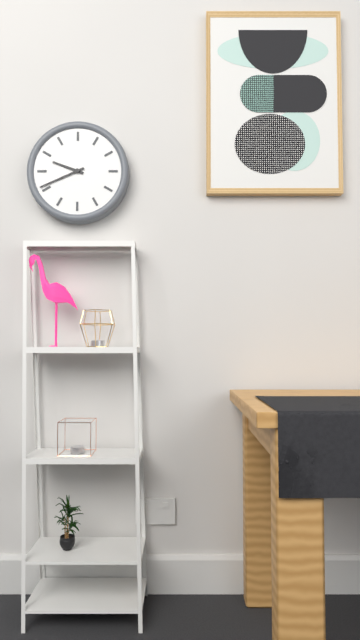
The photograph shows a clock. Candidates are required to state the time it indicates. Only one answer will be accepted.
9:41
